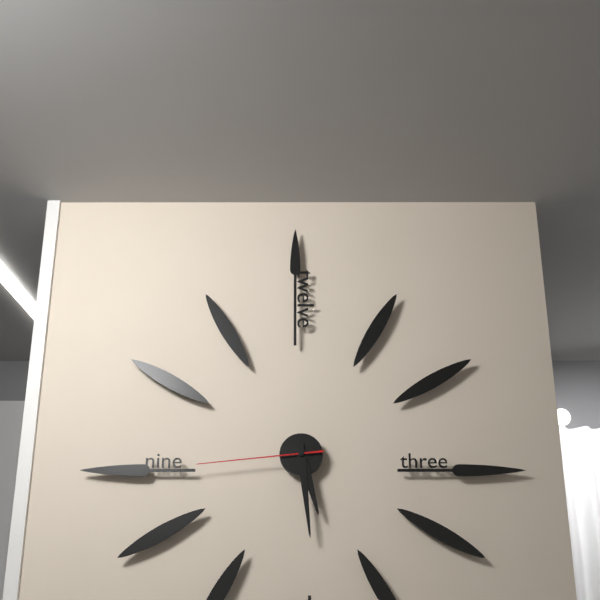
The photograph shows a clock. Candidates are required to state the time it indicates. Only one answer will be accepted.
5:29:44
